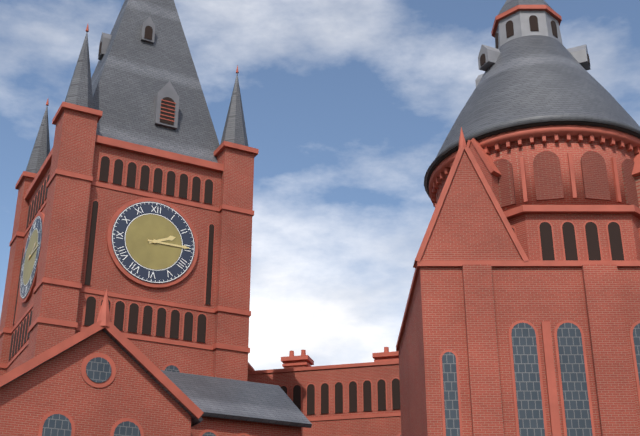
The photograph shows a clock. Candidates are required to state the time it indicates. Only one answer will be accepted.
2:15
